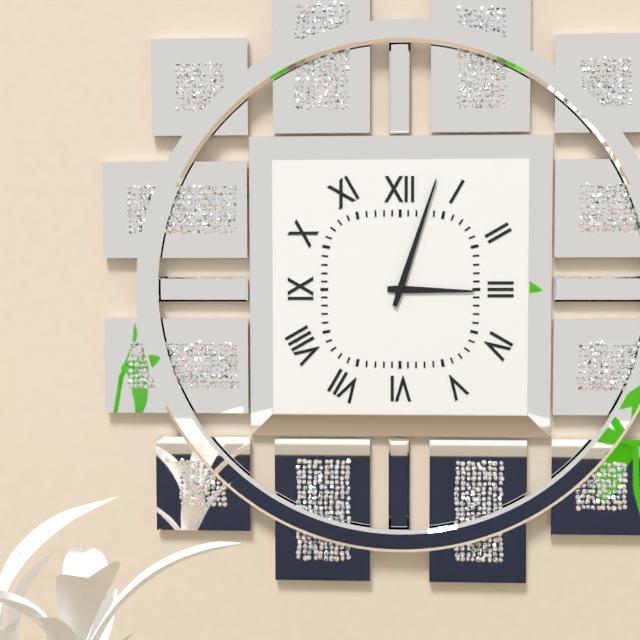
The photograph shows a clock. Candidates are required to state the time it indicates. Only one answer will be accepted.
3:03
